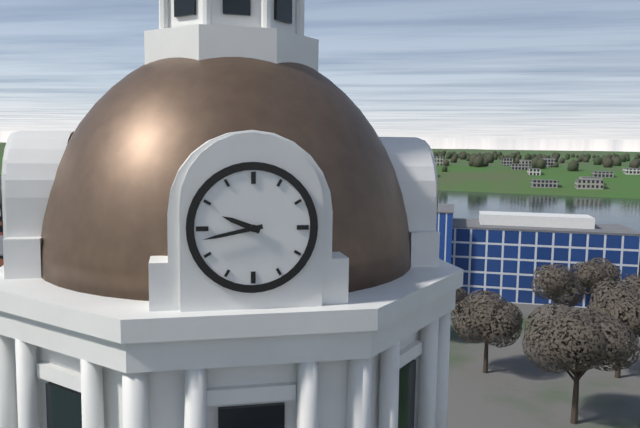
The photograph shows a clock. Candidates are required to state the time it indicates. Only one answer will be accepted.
9:43
